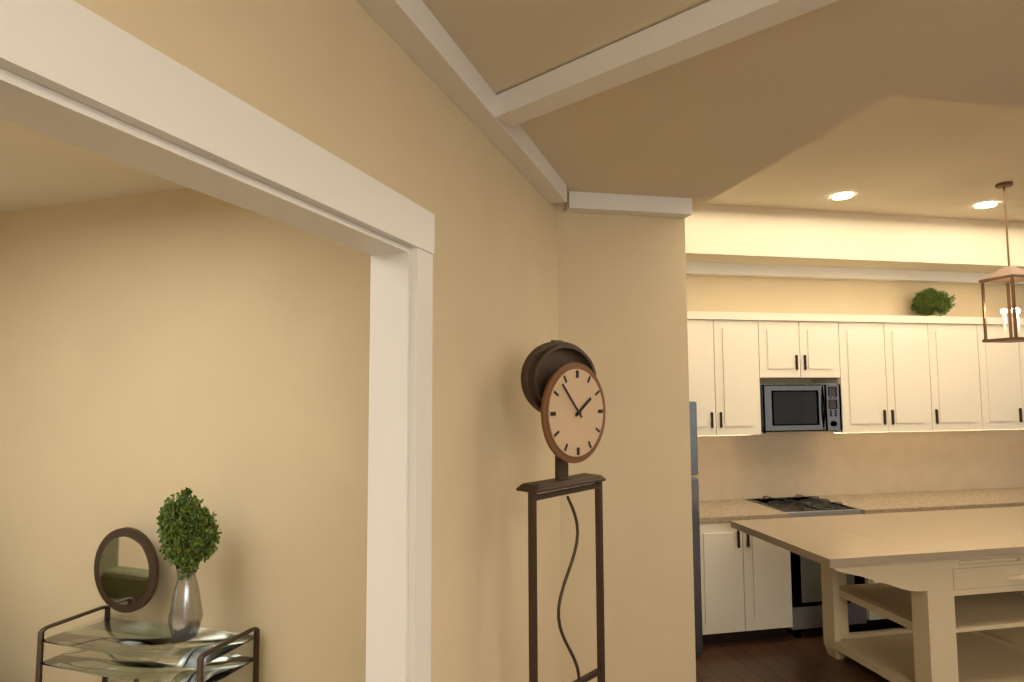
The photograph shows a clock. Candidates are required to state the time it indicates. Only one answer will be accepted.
1:53
